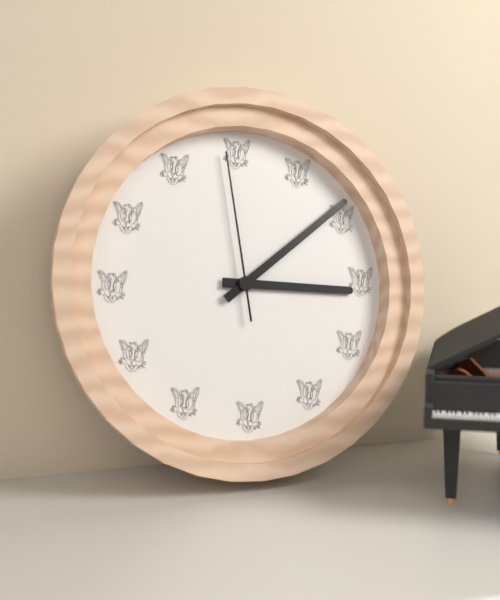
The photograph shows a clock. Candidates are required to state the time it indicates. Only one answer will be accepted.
3:09:59
